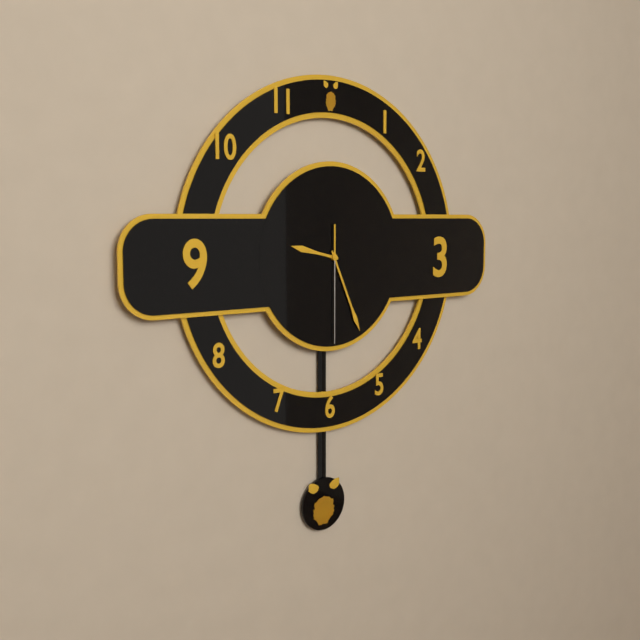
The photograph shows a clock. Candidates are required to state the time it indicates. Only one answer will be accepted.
9:26:30
